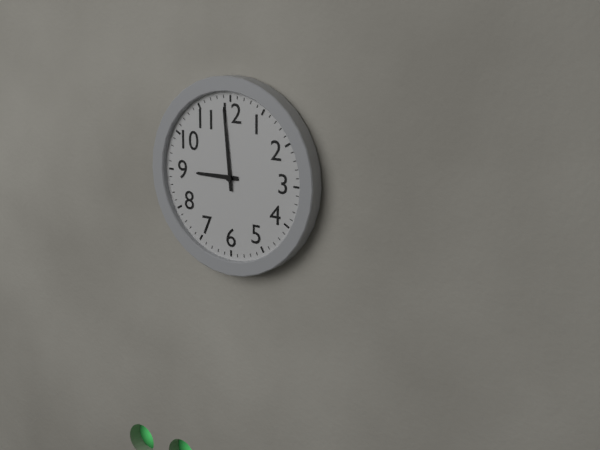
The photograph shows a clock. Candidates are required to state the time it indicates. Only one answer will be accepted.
8:59
